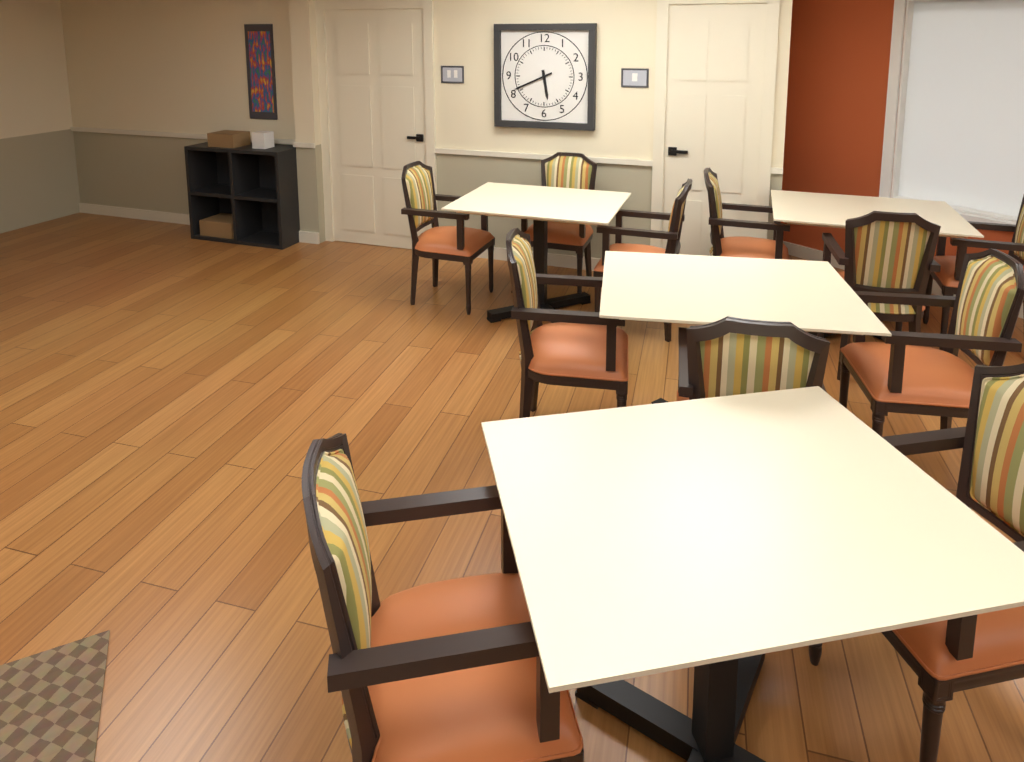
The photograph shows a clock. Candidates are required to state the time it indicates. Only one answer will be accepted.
5:41
